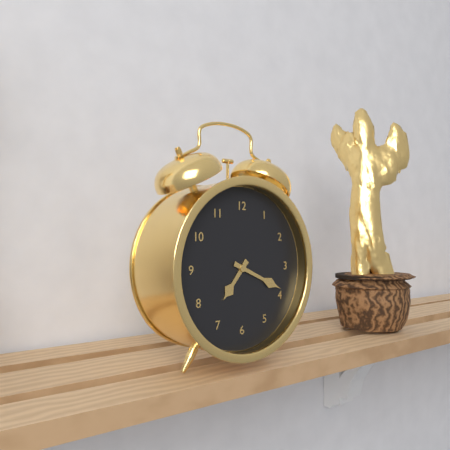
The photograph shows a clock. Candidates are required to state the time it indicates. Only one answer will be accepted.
7:19
